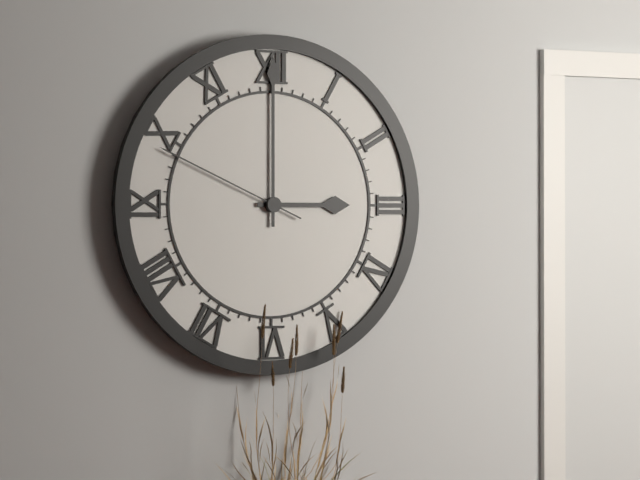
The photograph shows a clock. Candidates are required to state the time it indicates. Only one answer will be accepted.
3:00:49
